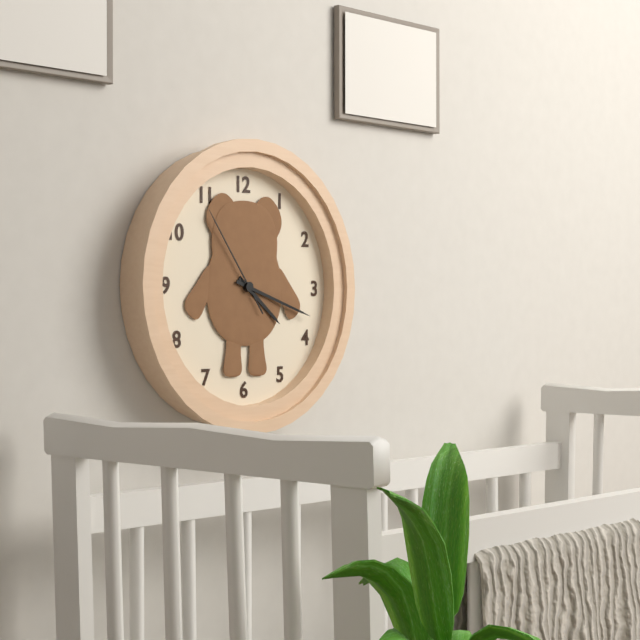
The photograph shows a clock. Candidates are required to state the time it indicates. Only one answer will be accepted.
4:18:54
